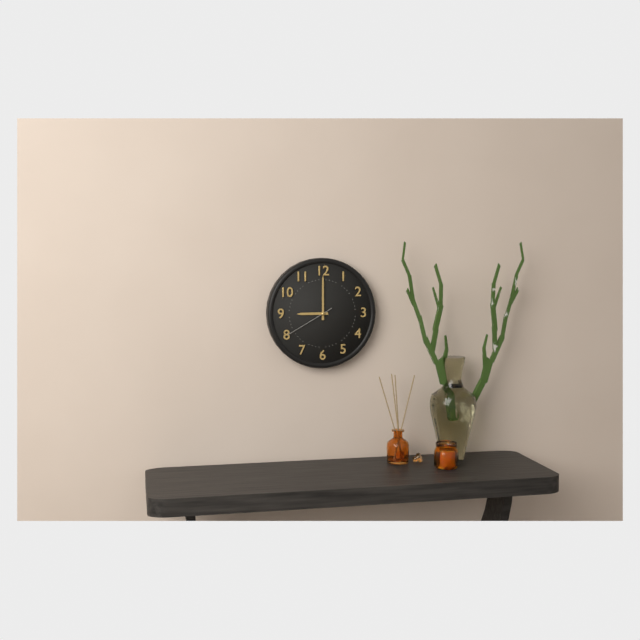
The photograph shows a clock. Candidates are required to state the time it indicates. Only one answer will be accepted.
9:00
